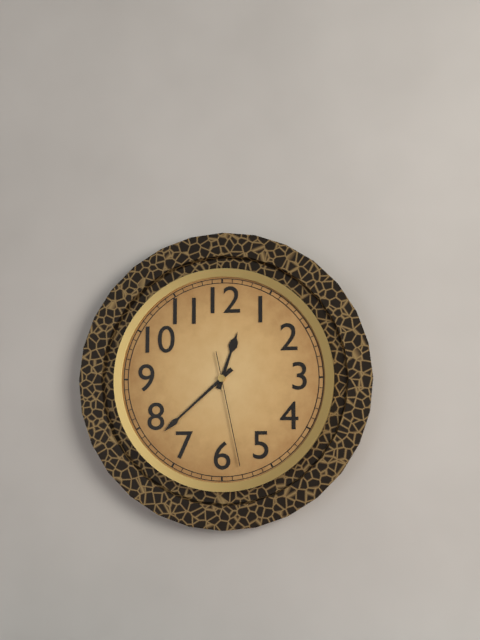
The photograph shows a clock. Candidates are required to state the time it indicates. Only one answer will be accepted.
12:38:28
